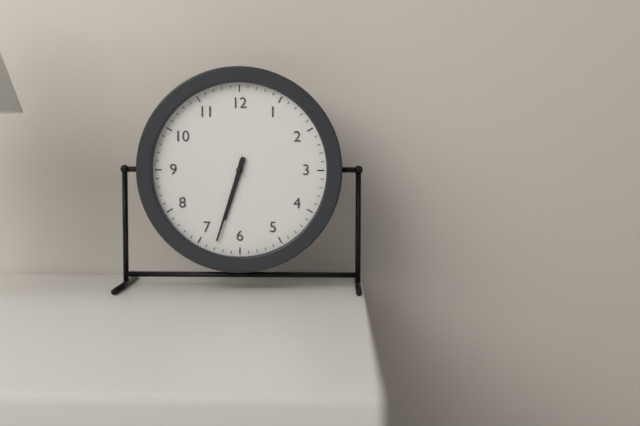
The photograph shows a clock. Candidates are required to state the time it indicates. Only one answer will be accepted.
6:33
